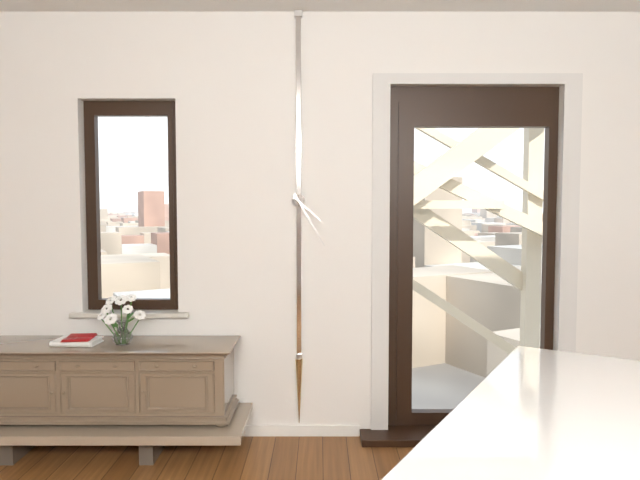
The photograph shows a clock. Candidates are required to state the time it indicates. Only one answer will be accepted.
4:25
